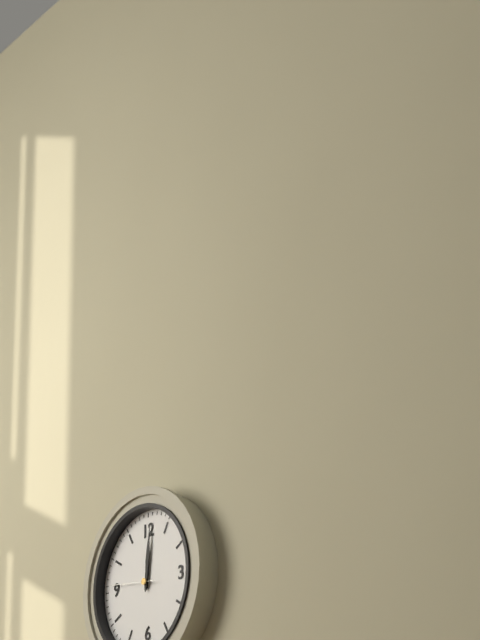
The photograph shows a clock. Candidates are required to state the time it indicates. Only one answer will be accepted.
12:01
